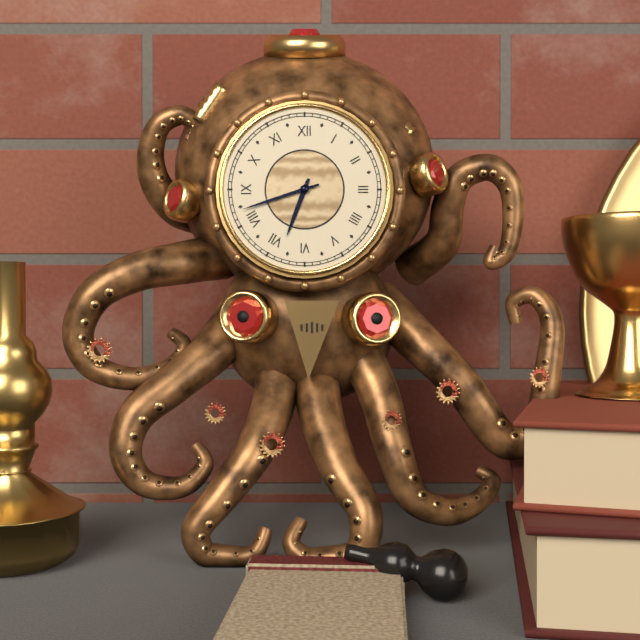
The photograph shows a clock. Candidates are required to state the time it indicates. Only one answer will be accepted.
6:42
